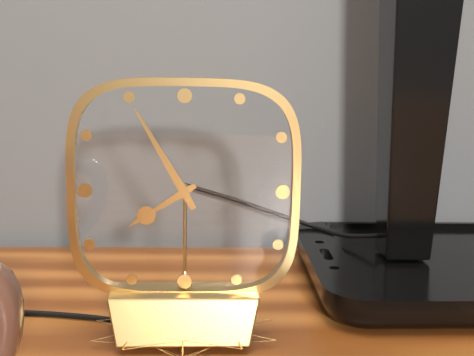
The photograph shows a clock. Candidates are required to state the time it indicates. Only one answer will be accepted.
7:55
